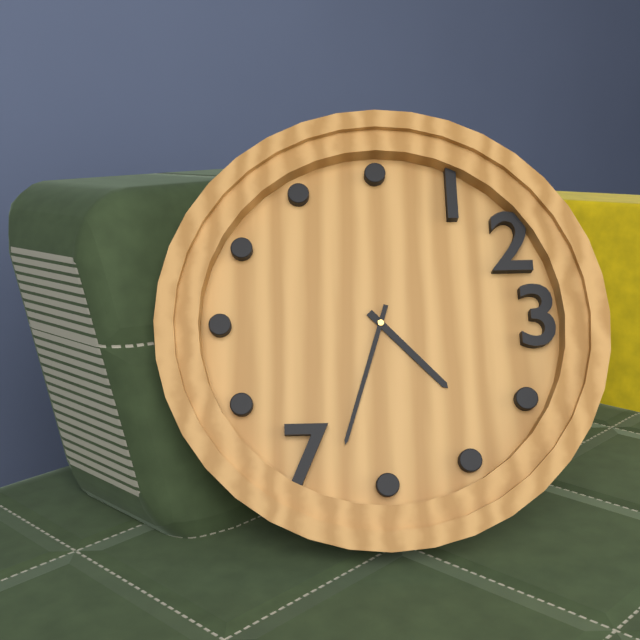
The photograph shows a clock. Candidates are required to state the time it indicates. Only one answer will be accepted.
4:33
